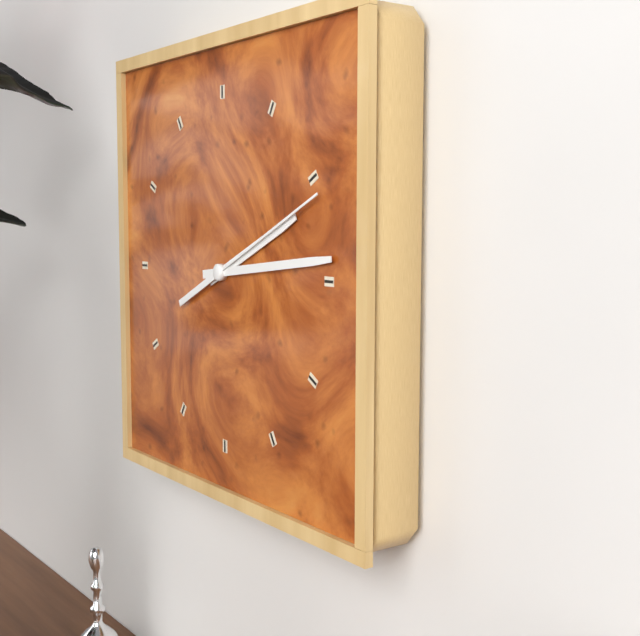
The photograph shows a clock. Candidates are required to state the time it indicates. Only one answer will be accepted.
2:14:11
